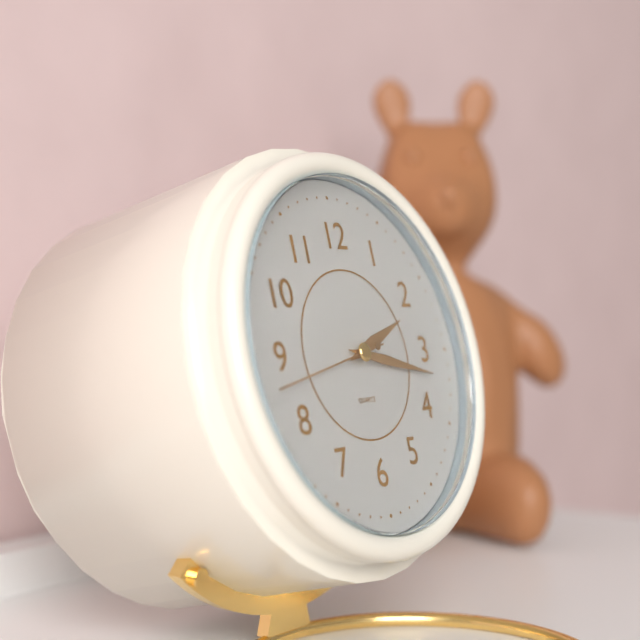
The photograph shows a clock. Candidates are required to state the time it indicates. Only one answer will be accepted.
2:17:43
